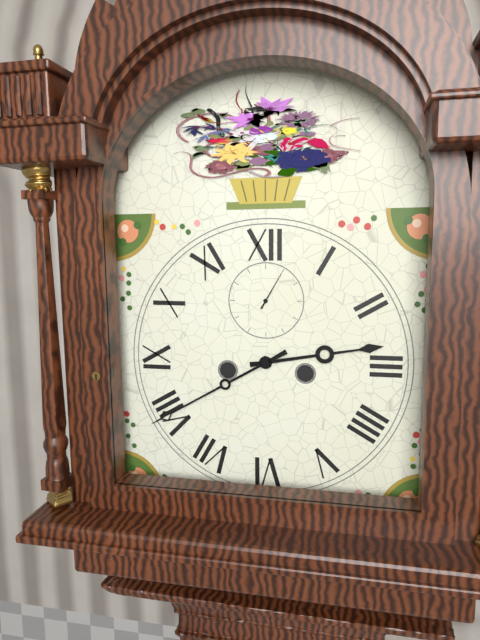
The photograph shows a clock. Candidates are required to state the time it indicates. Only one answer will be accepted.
2:40
